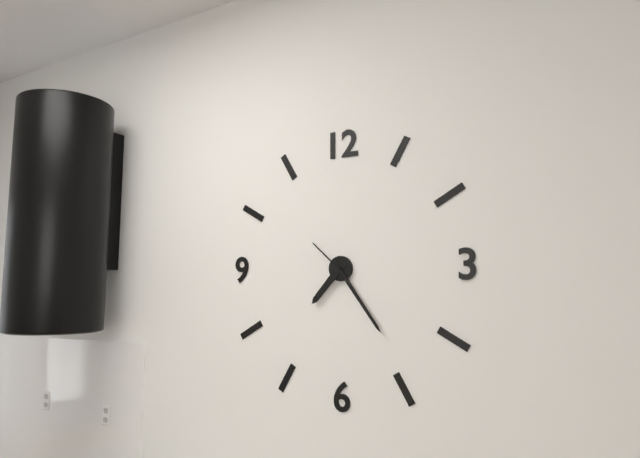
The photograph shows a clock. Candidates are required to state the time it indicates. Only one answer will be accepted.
7:24
